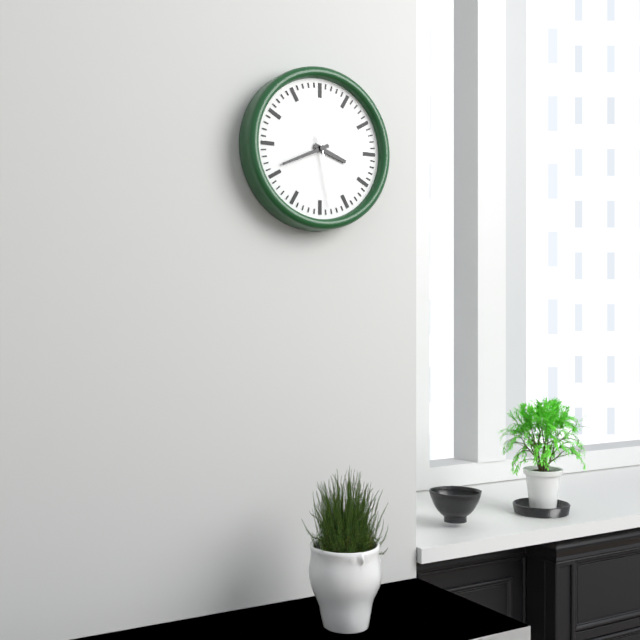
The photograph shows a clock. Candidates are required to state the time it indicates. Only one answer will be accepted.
3:41:28
